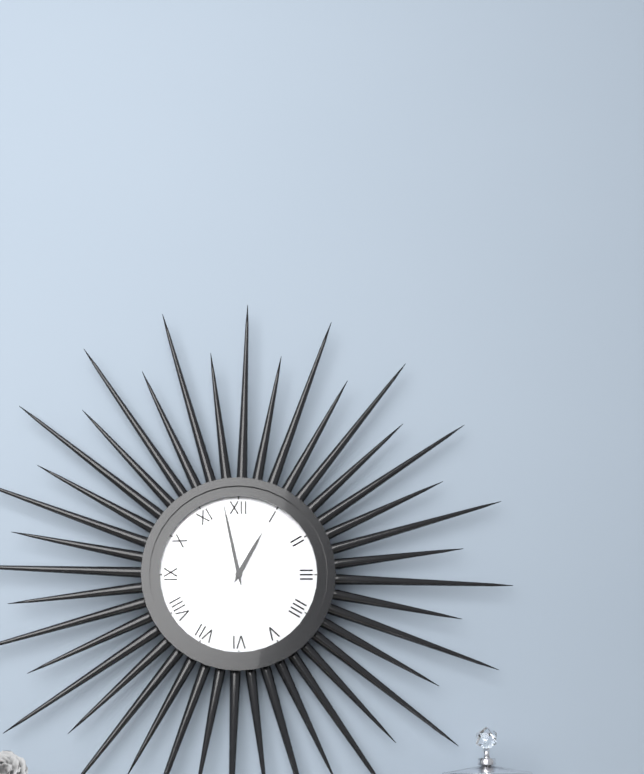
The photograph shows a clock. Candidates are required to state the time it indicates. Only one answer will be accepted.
12:58
